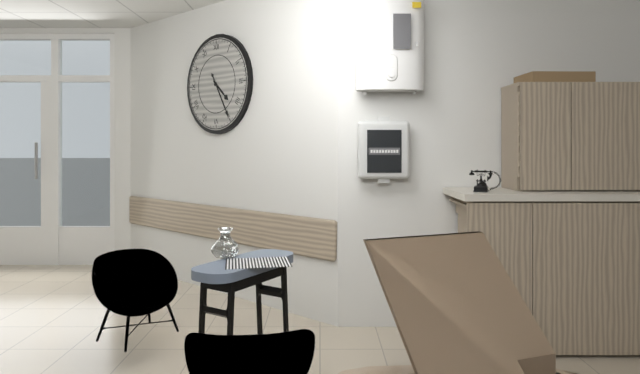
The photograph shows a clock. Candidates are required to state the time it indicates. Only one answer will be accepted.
4:25
